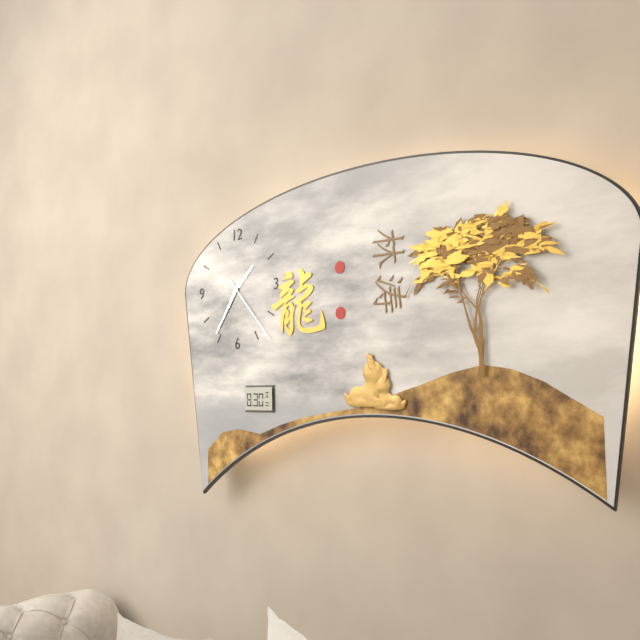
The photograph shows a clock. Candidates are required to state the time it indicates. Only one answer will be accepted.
1:36:23
